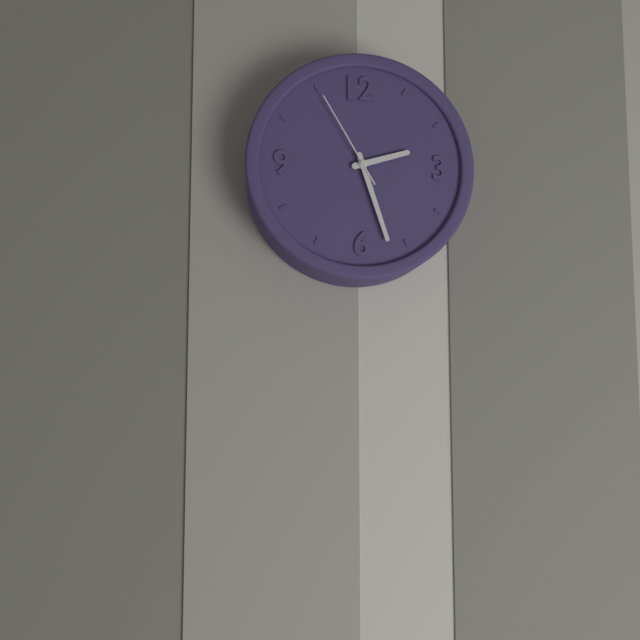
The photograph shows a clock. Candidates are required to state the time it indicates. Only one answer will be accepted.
2:27:55
